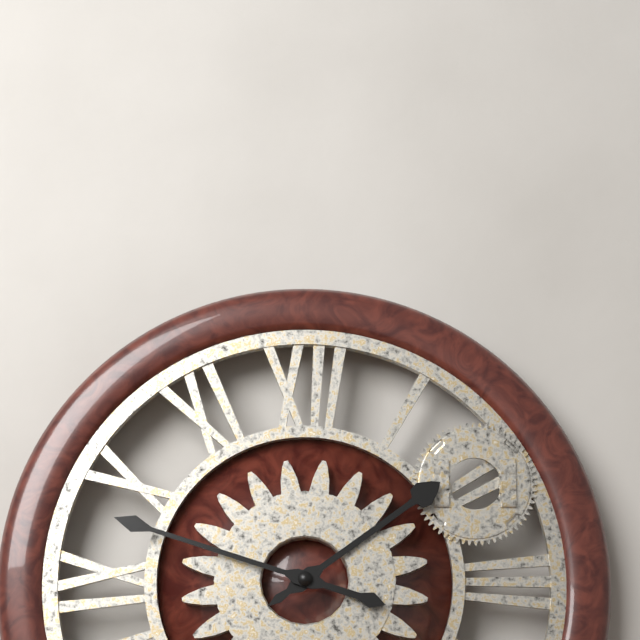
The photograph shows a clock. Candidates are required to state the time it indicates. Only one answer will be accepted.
1:48
